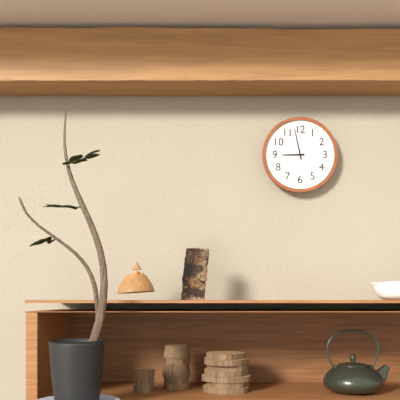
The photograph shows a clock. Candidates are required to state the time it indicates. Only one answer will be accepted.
8:58
